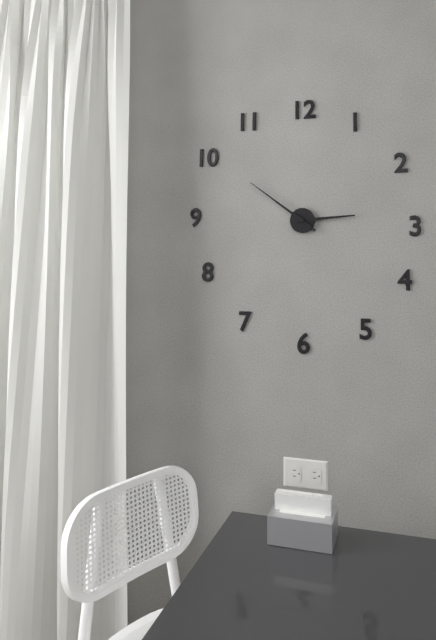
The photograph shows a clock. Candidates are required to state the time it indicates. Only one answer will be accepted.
2:51
